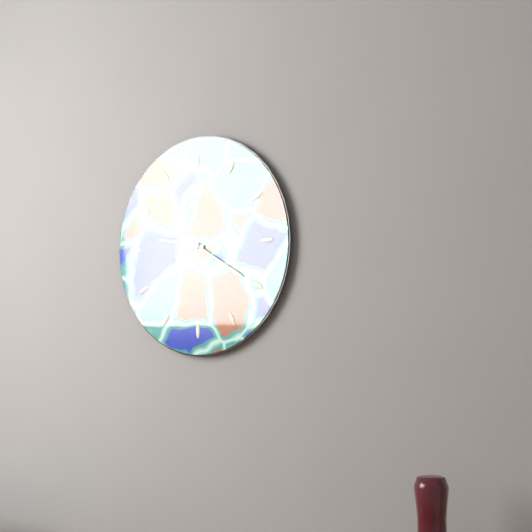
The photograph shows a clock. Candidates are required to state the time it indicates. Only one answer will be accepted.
9:20
